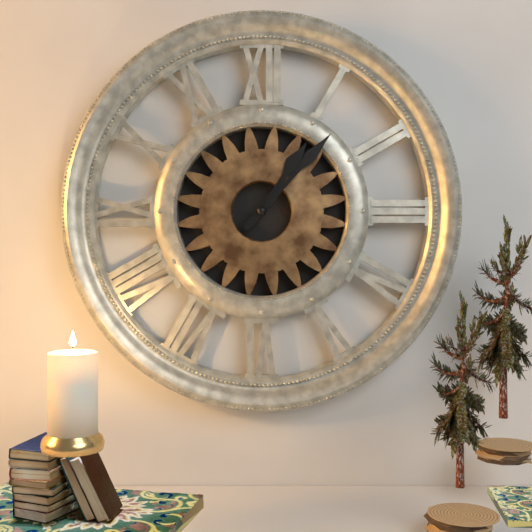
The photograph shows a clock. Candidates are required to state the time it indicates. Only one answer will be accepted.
1:07
